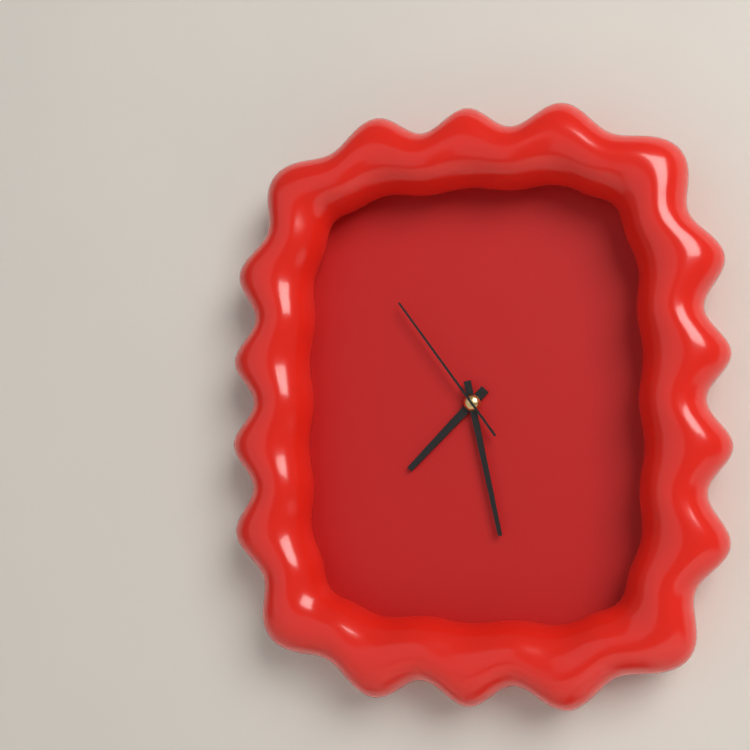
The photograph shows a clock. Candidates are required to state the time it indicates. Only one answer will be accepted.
7:28:54
